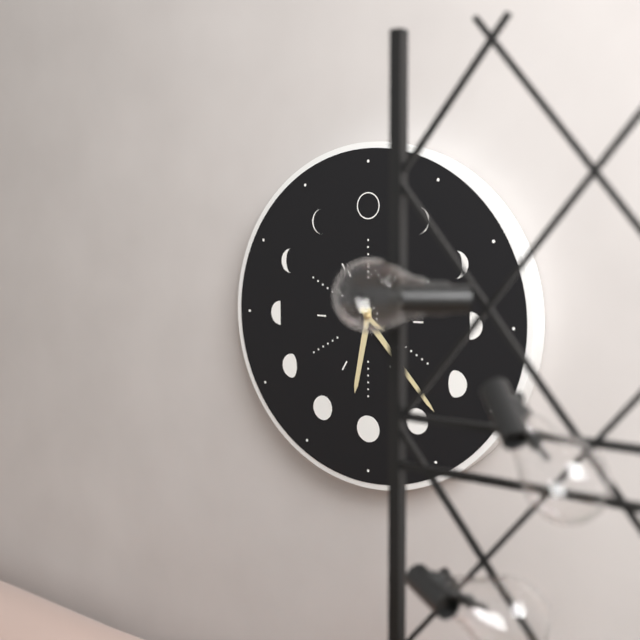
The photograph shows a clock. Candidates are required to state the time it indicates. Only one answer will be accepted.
6:23
